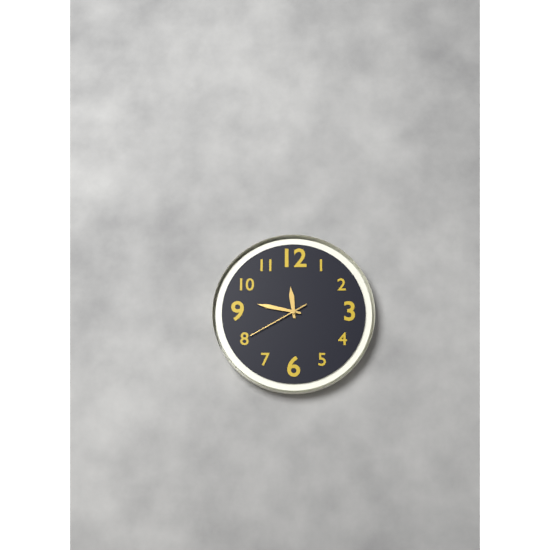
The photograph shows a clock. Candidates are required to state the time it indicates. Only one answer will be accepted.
11:47:40
